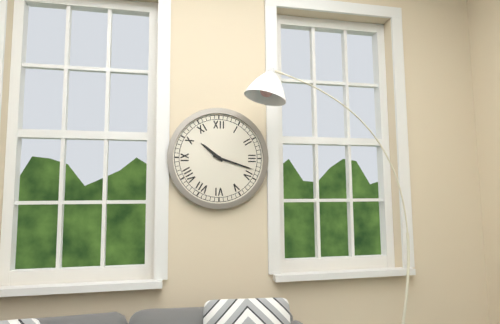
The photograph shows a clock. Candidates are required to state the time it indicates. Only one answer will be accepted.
10:18
